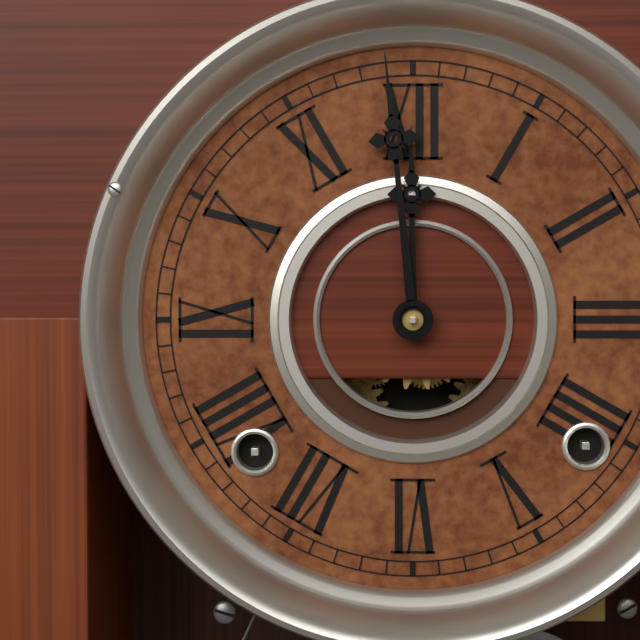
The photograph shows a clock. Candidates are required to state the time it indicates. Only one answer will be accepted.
11:59
